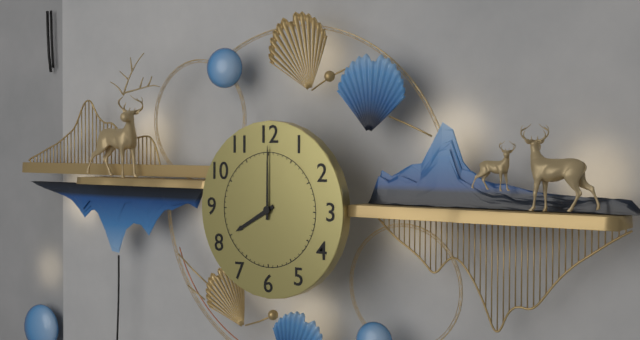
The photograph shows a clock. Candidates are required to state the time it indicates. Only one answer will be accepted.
8:00
